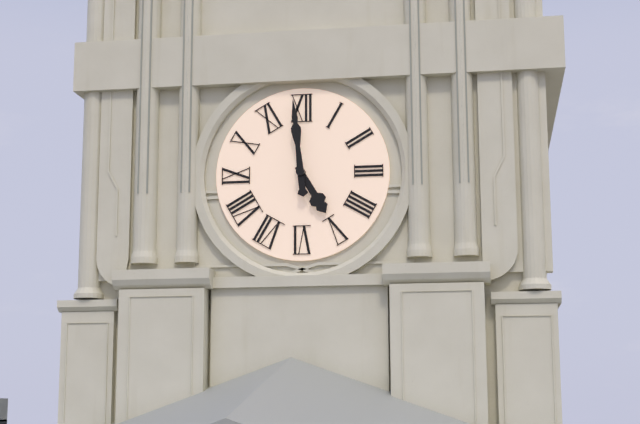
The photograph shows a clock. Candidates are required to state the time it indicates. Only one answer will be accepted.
4:59
